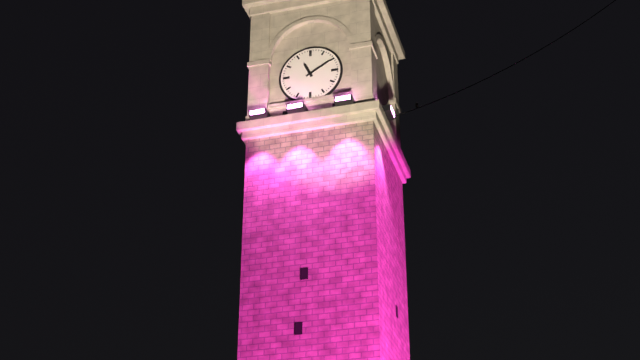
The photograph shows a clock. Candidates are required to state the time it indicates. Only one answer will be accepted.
11:10
